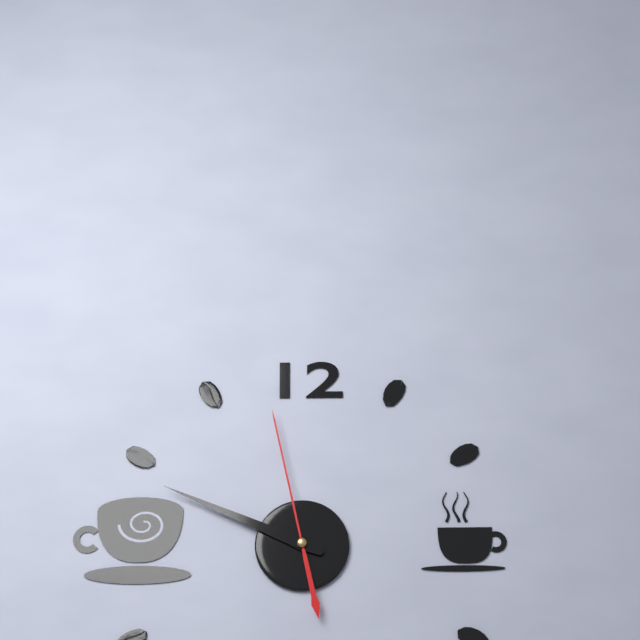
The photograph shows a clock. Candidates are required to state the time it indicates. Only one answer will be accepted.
9:49:58
